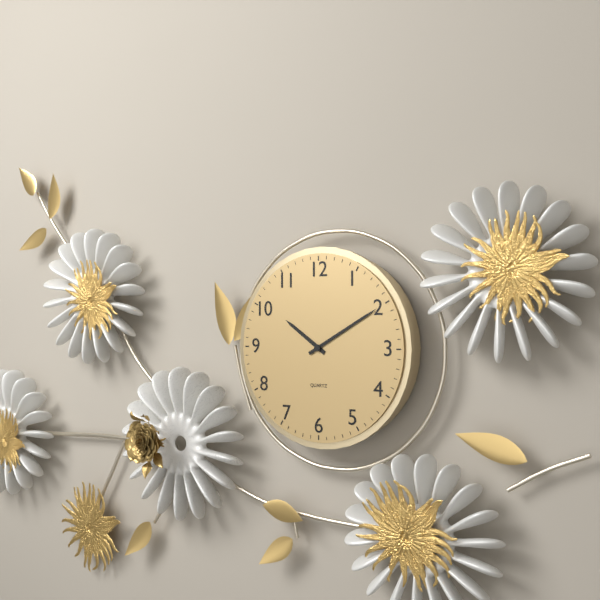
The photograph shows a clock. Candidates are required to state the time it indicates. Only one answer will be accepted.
10:10
